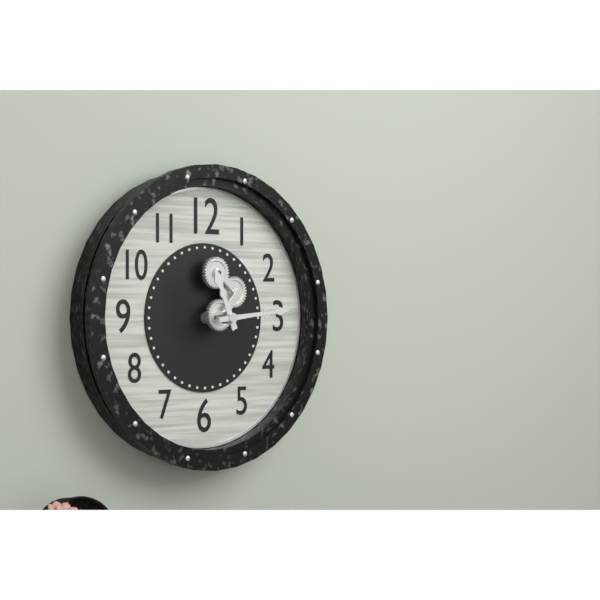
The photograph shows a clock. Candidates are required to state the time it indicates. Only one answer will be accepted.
11:14
